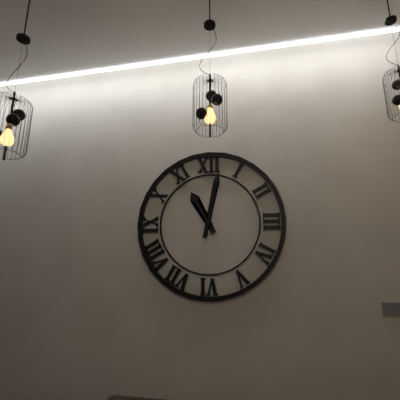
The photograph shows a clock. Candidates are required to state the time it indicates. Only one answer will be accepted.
11:02
